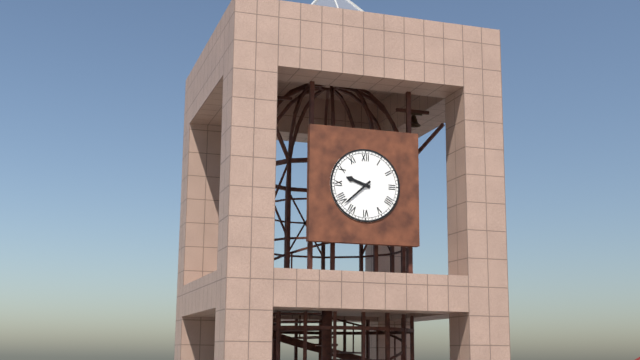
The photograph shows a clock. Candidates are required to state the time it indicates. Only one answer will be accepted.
9:38
